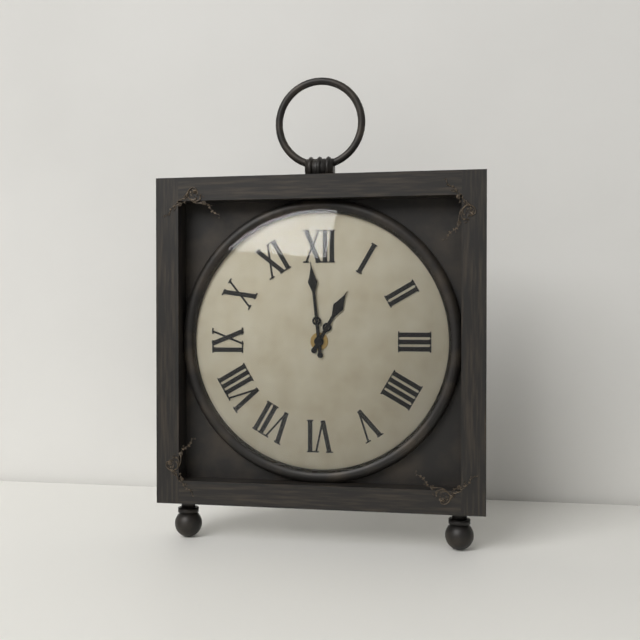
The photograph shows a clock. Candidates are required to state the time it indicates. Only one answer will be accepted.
12:59
